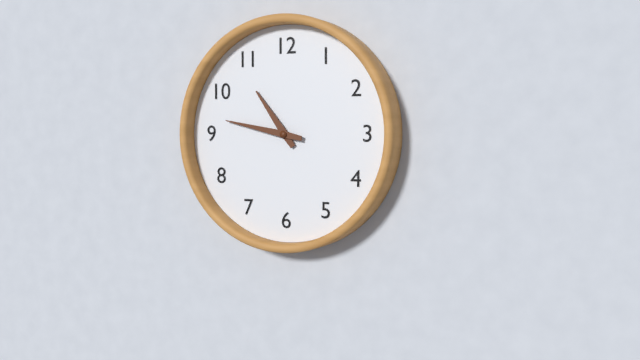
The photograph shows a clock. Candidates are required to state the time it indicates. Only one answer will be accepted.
10:47
